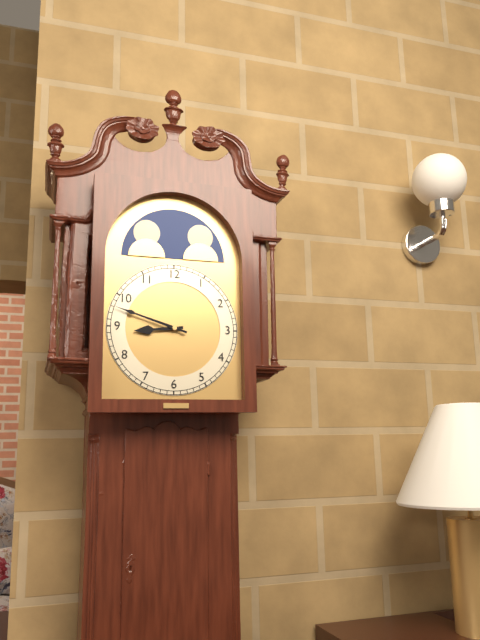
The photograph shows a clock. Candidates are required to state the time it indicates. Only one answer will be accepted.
8:48
